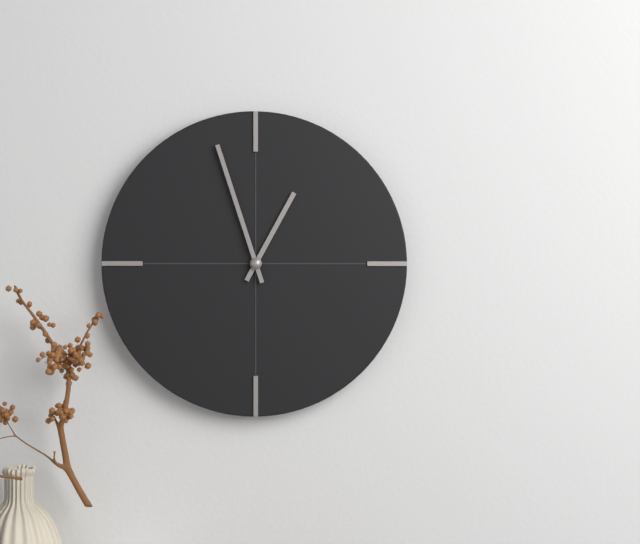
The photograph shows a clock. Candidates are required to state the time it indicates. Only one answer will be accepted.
12:57
